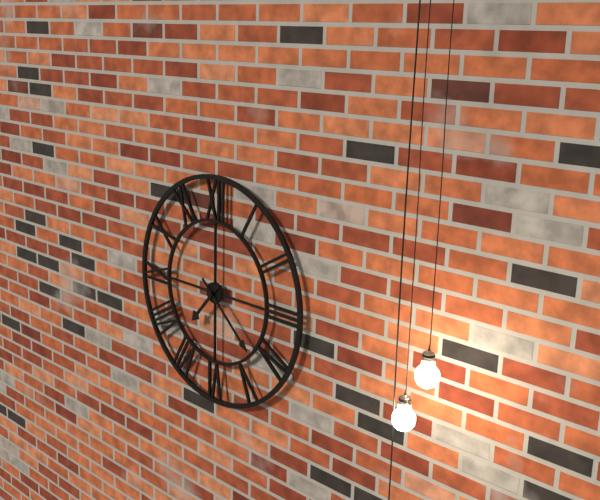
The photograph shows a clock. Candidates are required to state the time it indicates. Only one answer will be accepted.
7:22
